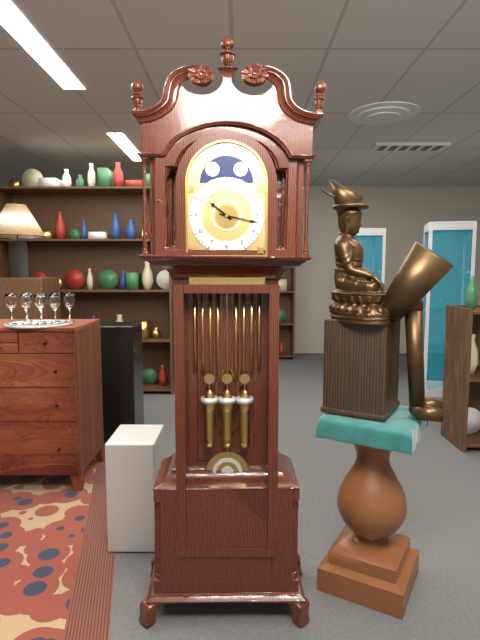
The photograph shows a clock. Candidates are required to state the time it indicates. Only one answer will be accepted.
10:17
